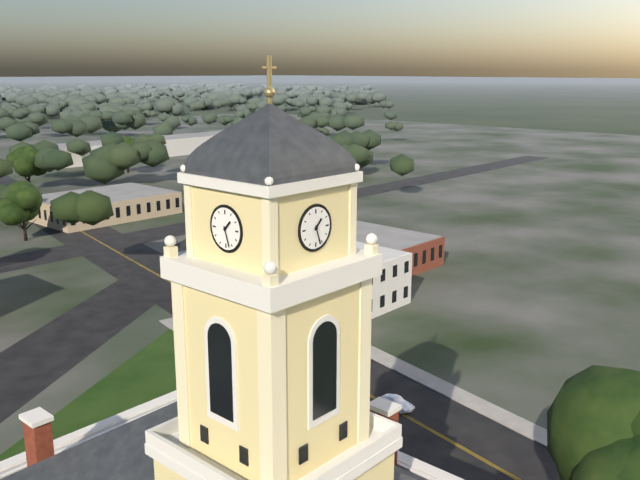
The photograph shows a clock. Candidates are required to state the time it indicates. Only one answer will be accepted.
1:27
